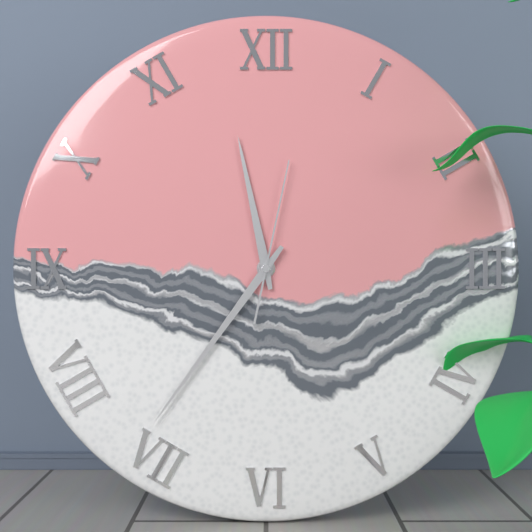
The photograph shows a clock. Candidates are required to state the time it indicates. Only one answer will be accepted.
11:36:02
